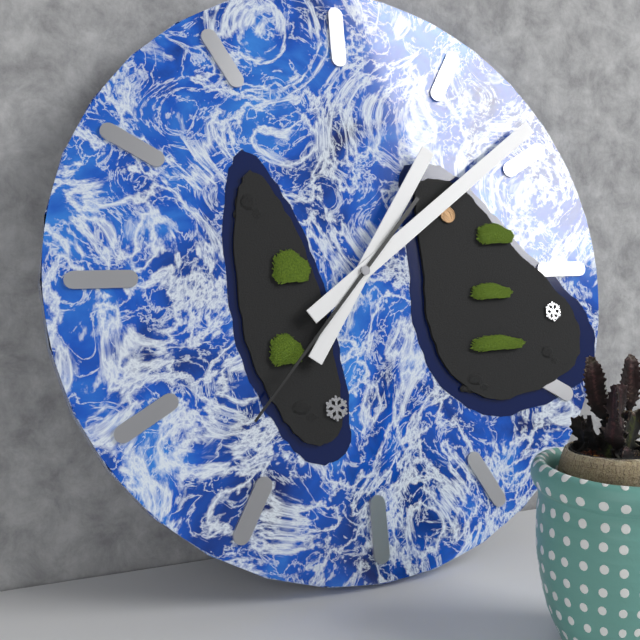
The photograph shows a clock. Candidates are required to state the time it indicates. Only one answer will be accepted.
1:09:37
